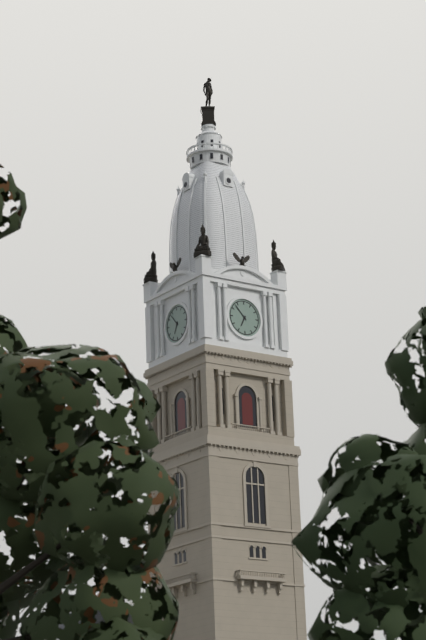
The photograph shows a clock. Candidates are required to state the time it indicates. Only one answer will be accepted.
6:53
